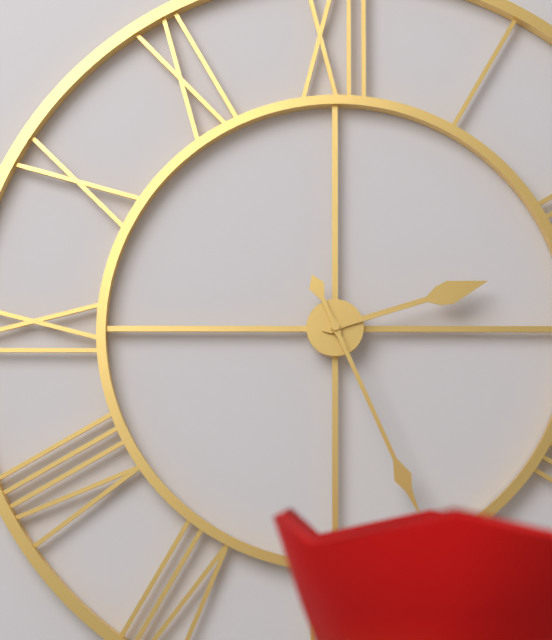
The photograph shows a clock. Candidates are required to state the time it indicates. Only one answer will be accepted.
2:26
